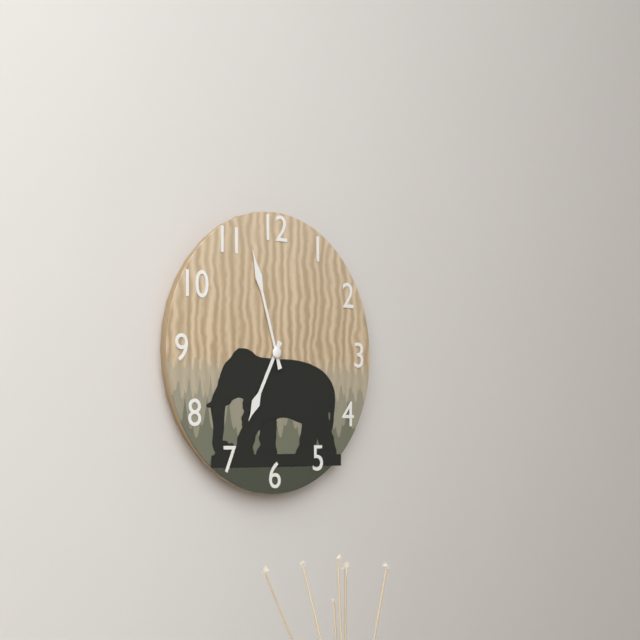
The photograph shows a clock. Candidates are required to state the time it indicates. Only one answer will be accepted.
6:57
